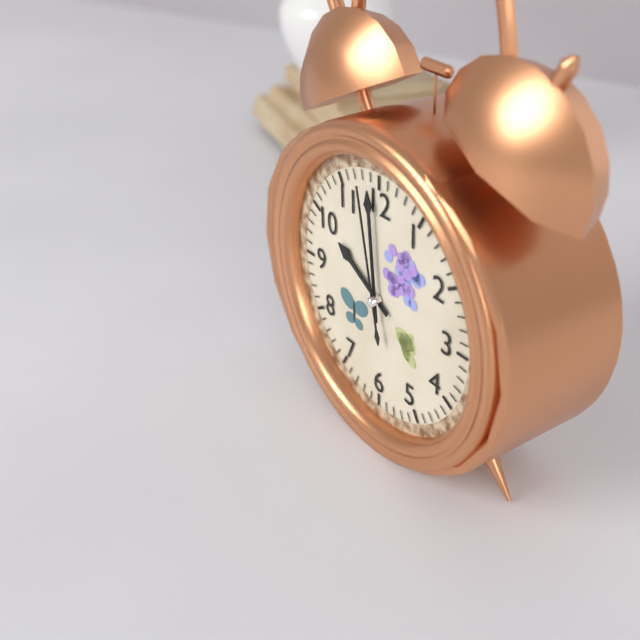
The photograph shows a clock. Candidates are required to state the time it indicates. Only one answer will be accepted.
9:59:58
